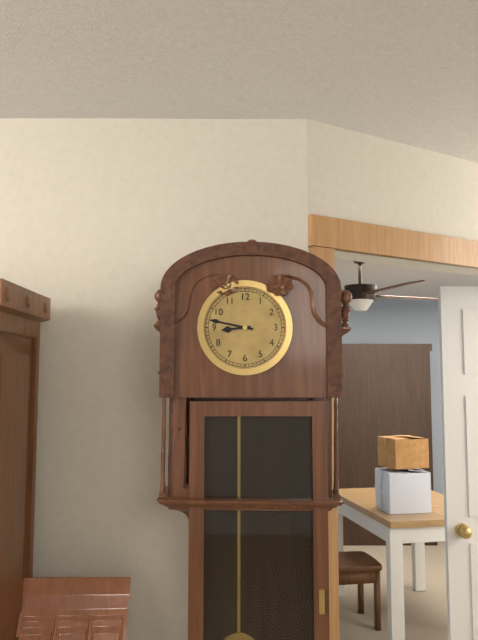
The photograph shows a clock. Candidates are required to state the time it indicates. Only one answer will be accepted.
8:47
